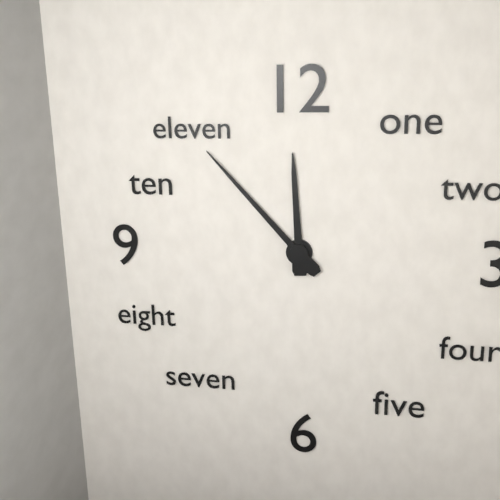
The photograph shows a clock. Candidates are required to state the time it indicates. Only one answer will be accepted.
11:53
